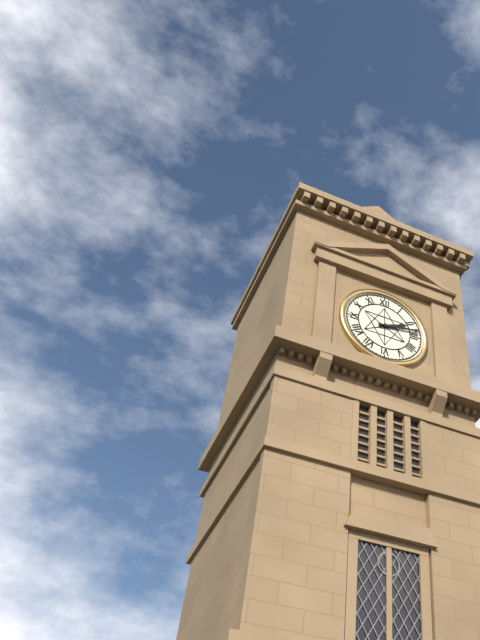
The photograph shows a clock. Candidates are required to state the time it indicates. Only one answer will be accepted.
2:13
